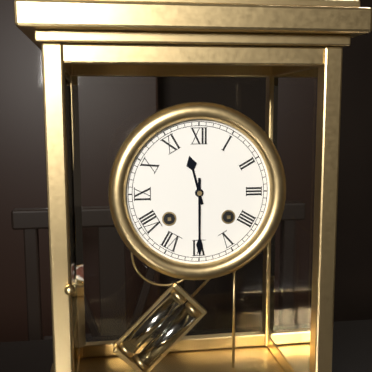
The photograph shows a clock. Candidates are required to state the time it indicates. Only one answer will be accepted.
11:30
